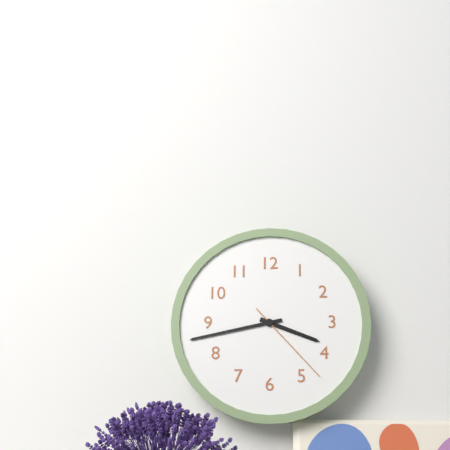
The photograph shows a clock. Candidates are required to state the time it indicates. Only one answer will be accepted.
3:43:23
